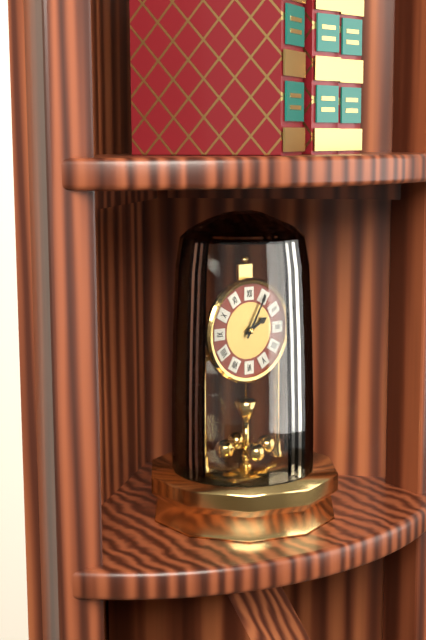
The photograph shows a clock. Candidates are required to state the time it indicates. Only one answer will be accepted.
2:05
